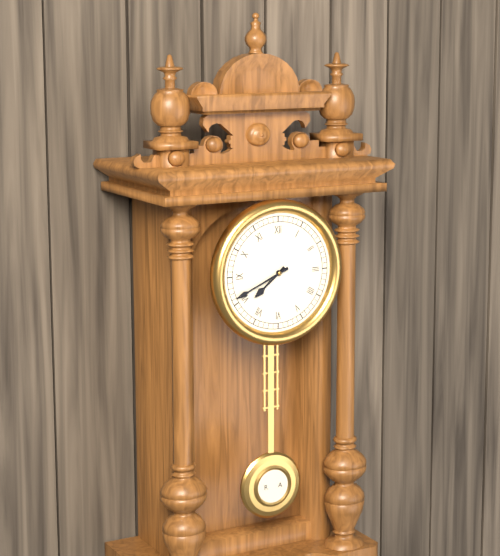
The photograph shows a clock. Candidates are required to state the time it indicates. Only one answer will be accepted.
7:41
